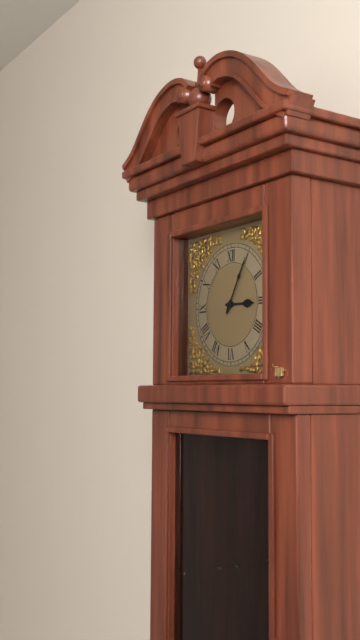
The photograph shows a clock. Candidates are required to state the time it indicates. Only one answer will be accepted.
3:05
